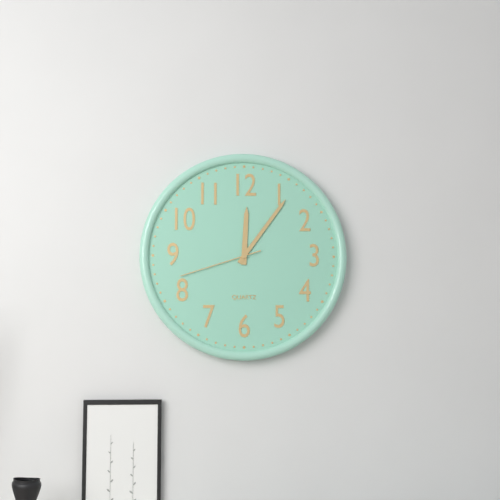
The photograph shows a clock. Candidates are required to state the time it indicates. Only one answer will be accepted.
12:06:42
